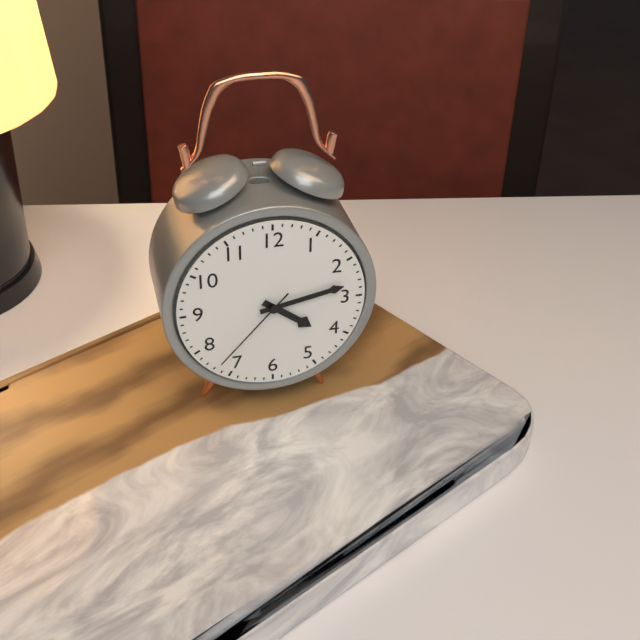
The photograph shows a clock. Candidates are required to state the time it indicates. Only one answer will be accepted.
4:13:37
